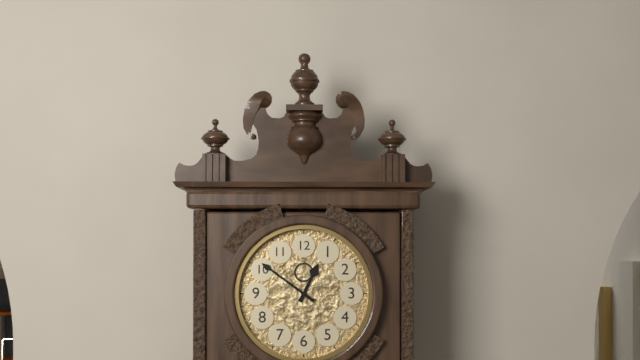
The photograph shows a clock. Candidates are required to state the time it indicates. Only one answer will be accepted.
12:51
